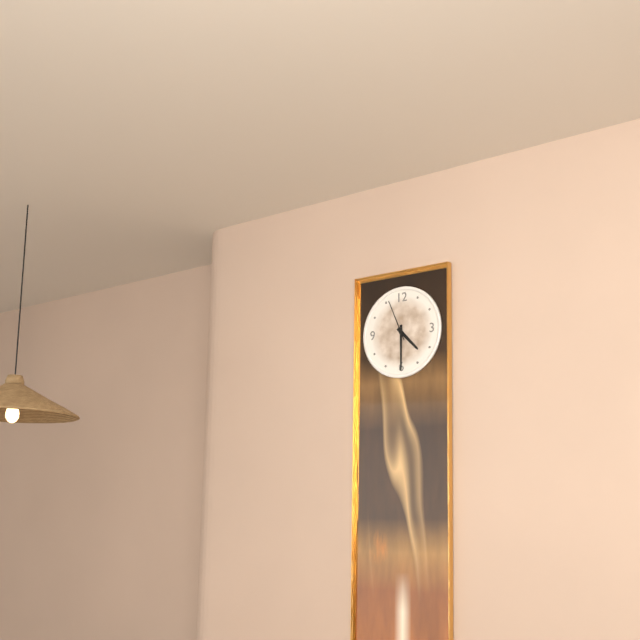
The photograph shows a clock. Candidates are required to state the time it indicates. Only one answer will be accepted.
4:30
